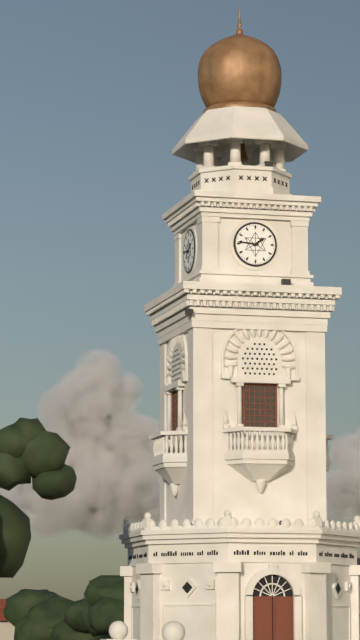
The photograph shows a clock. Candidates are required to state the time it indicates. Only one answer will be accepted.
1:46
